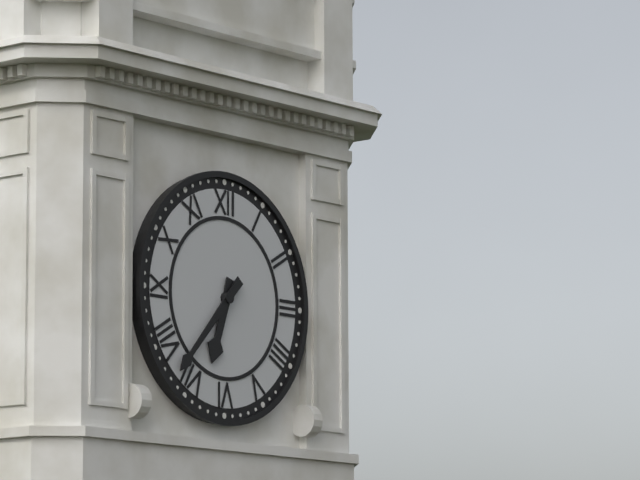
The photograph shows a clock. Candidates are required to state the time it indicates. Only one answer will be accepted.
6:37
